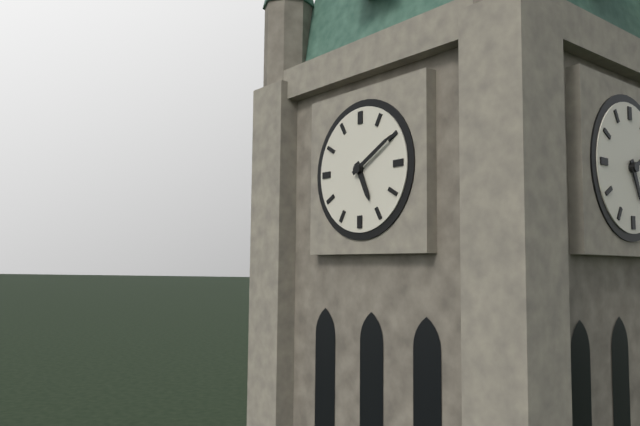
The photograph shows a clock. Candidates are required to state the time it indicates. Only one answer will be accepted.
5:10
